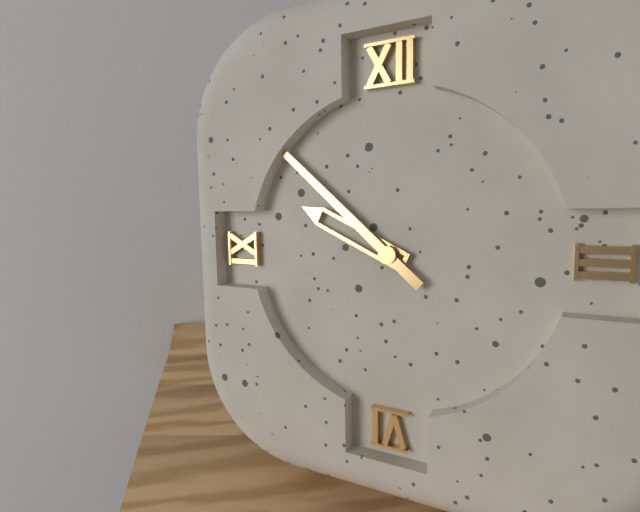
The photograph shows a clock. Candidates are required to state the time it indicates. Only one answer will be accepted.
9:52
